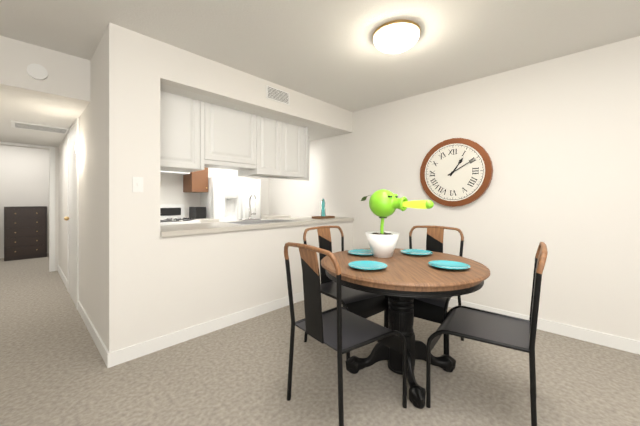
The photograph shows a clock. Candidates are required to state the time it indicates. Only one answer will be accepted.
1:10
